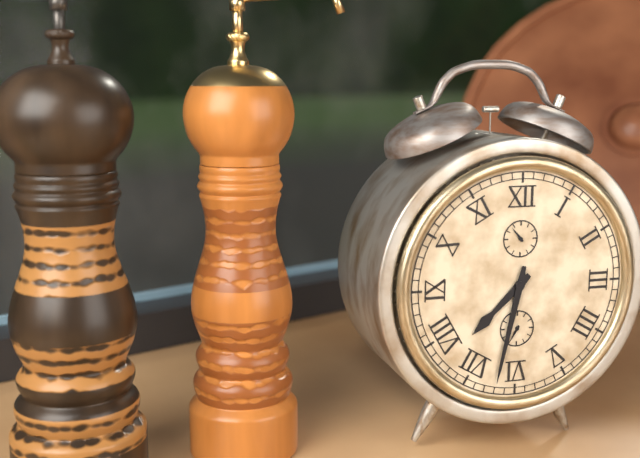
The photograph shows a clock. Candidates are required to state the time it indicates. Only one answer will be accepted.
7:32
